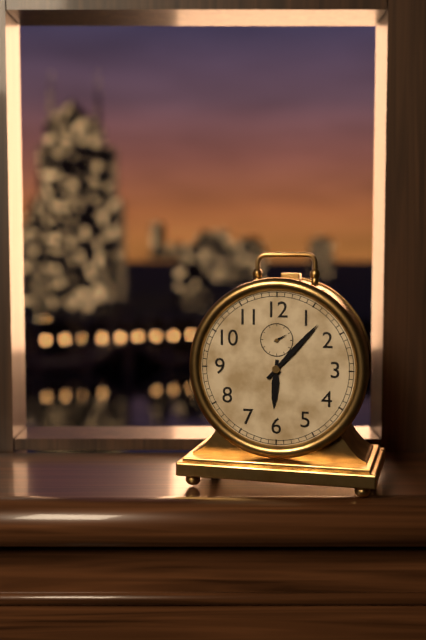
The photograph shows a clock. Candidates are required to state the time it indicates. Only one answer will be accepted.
6:07
